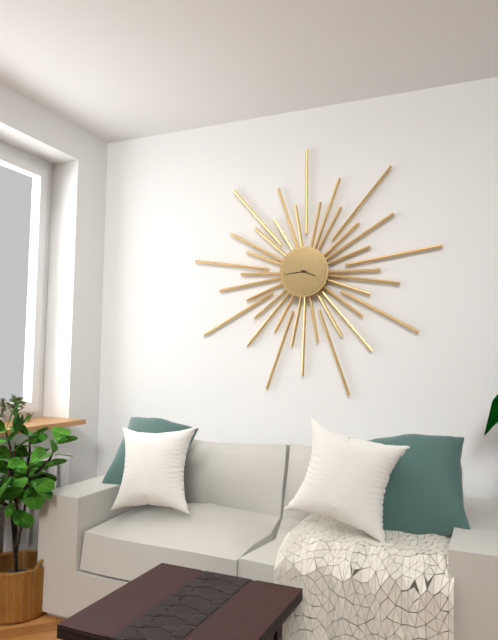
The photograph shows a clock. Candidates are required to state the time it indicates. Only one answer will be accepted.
3:44
